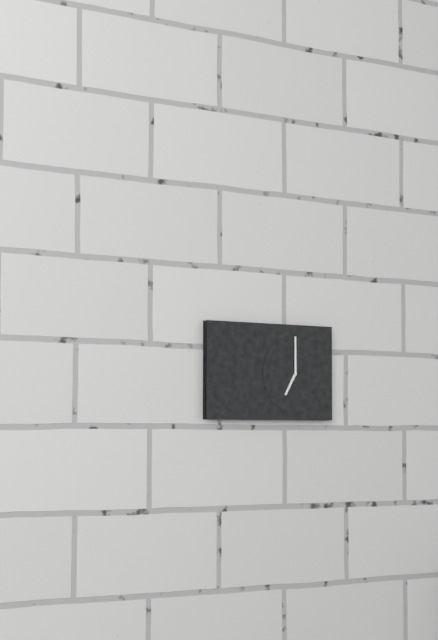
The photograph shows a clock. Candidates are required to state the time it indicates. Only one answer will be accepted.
7:00
